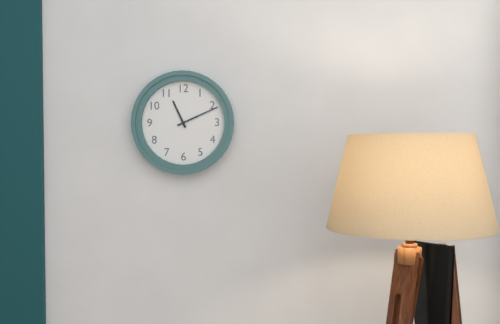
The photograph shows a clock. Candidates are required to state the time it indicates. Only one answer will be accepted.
11:11
